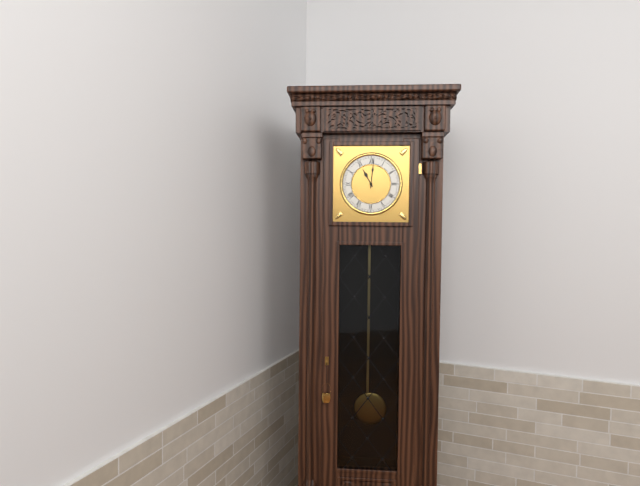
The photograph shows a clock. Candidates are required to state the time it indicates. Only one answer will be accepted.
11:01
